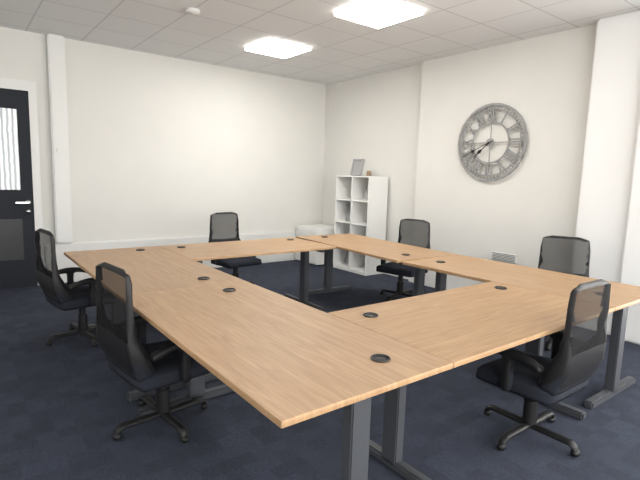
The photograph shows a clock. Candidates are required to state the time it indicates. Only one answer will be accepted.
7:41
